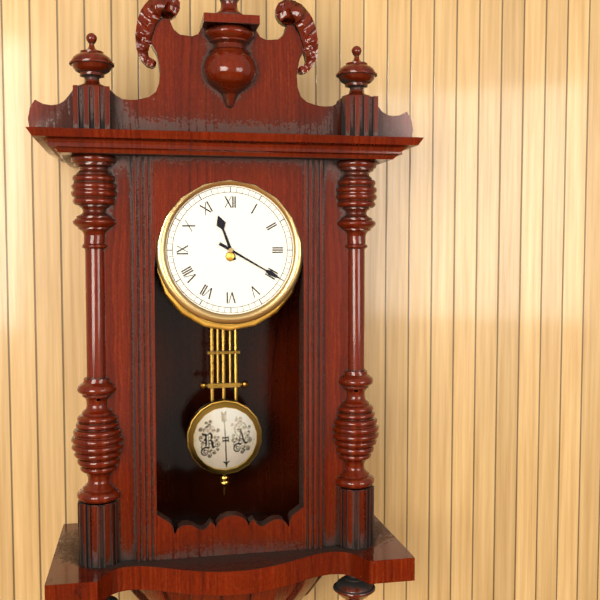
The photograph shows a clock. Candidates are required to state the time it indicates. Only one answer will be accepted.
11:20
